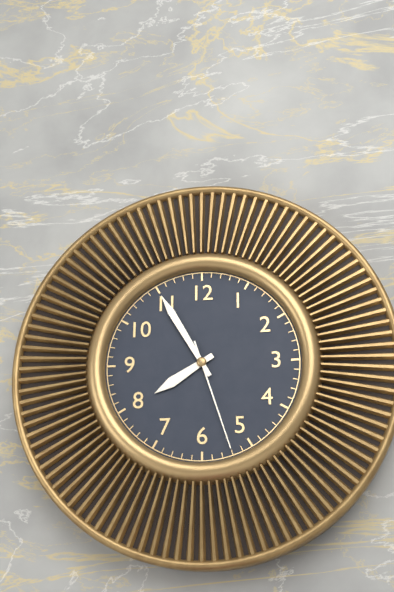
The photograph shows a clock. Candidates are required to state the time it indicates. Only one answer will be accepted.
7:55:27
